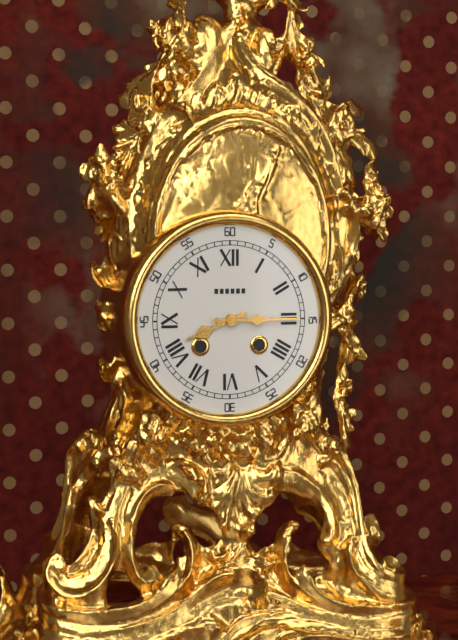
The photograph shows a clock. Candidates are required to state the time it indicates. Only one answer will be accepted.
8:15
